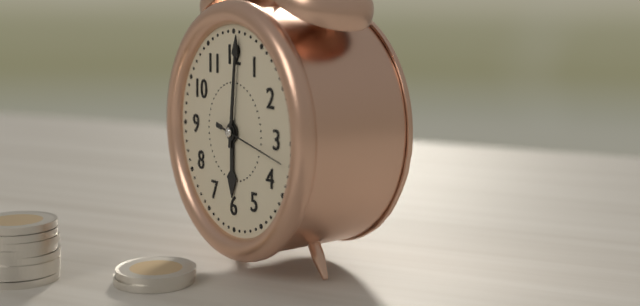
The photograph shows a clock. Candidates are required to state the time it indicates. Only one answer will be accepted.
6:01:17
